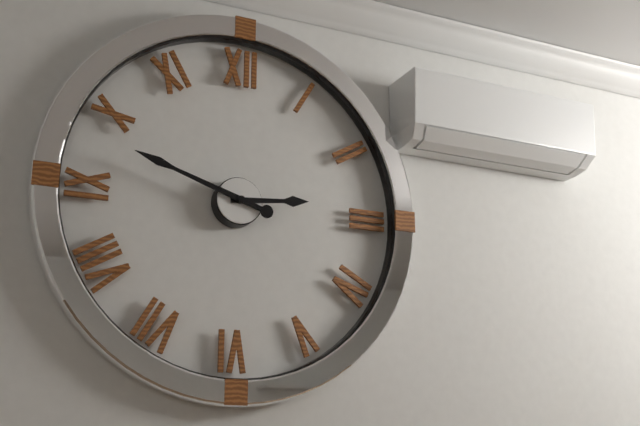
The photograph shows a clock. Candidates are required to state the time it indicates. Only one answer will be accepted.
2:48
